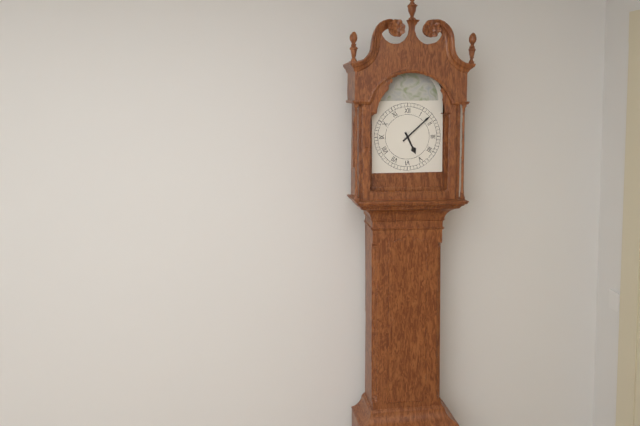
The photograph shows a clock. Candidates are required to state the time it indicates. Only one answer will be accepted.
5:08
